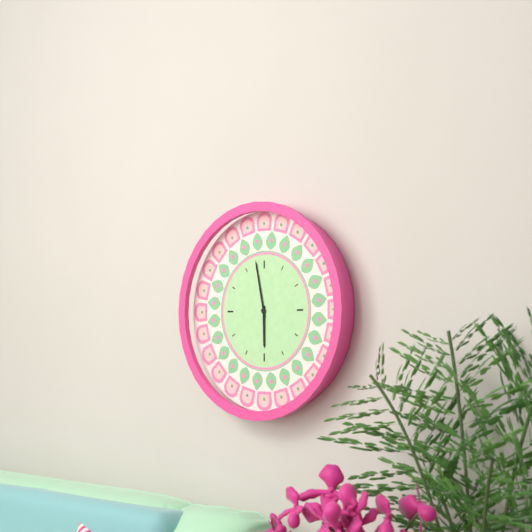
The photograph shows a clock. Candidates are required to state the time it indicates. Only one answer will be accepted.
5:58
